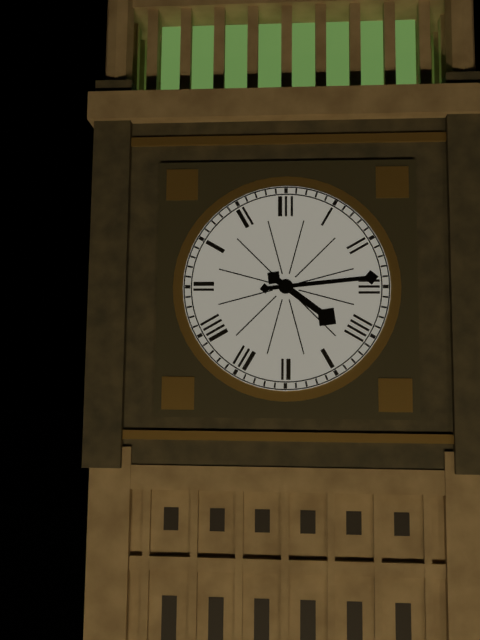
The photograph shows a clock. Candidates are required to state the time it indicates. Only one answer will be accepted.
4:14
